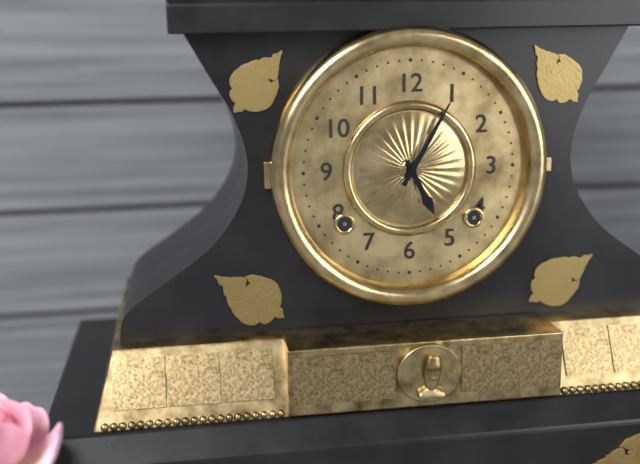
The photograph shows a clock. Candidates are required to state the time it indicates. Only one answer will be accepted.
5:05
